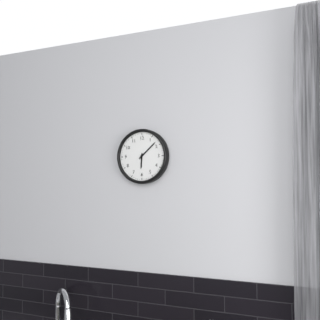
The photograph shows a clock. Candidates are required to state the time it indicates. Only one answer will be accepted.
6:08
